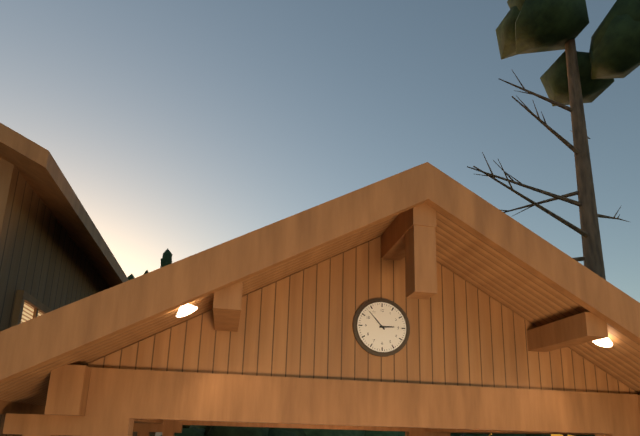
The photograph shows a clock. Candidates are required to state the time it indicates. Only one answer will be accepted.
2:53
